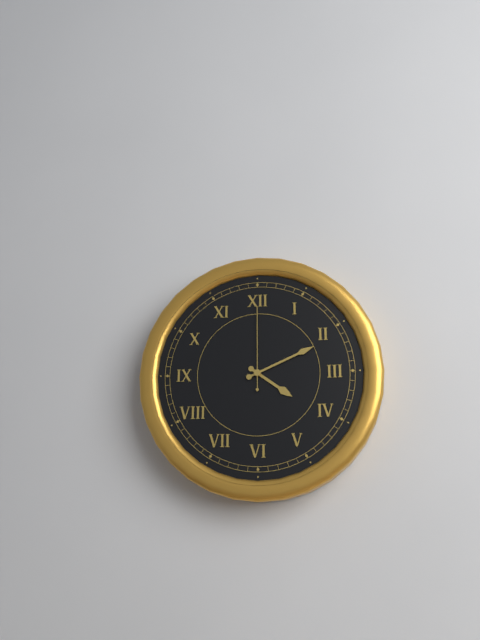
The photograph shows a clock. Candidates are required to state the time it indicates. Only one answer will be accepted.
4:11:00
